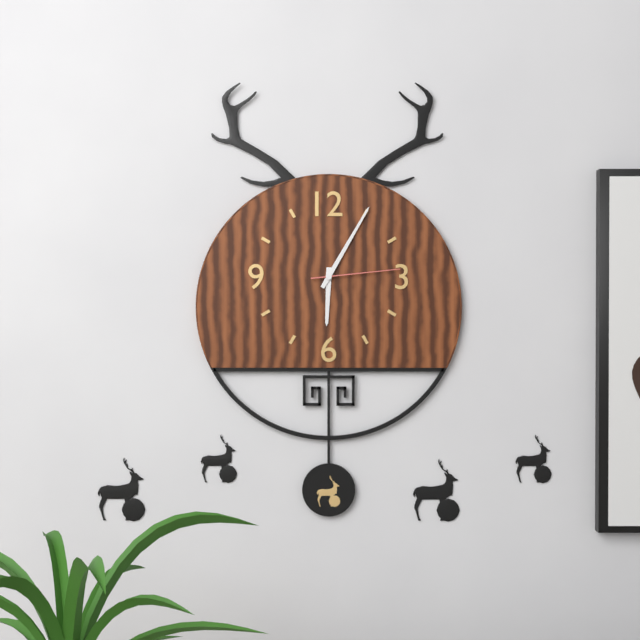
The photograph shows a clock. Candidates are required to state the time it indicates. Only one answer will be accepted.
6:05:14
